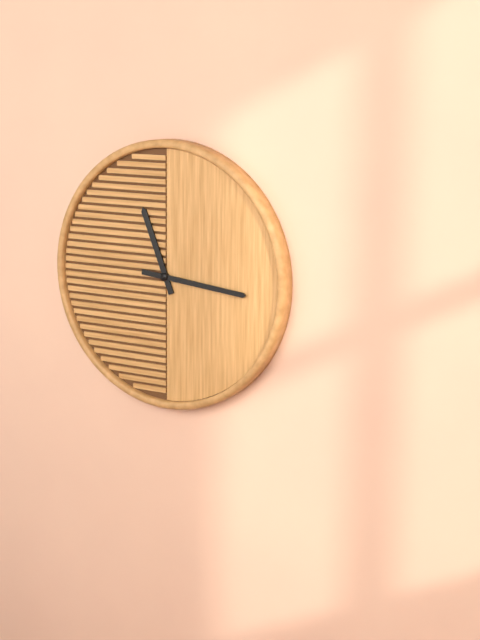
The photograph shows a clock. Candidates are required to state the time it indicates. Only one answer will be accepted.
11:16
